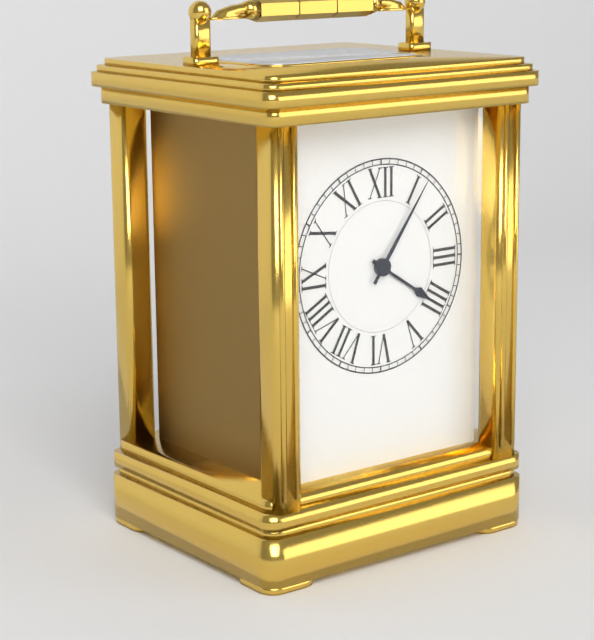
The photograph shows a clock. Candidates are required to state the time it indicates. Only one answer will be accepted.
4:06
